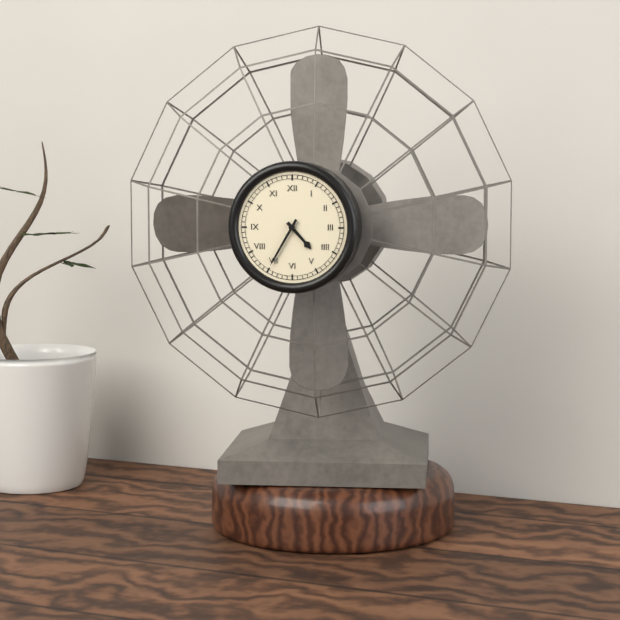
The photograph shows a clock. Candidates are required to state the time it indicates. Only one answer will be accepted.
4:35
